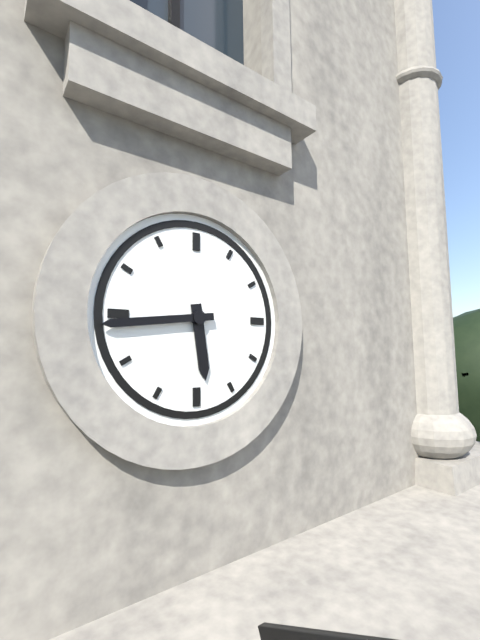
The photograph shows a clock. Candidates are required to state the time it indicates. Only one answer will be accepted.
5:44
